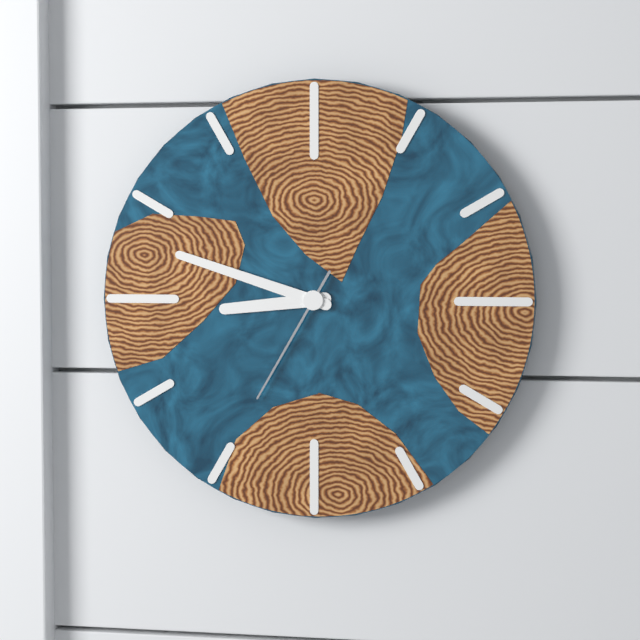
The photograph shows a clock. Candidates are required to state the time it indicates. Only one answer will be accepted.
8:48:35
